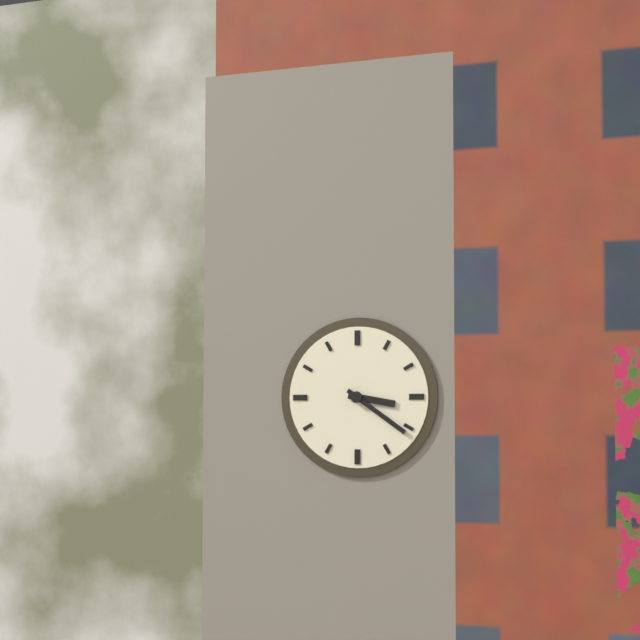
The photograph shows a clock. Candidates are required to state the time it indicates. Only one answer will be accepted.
3:21
